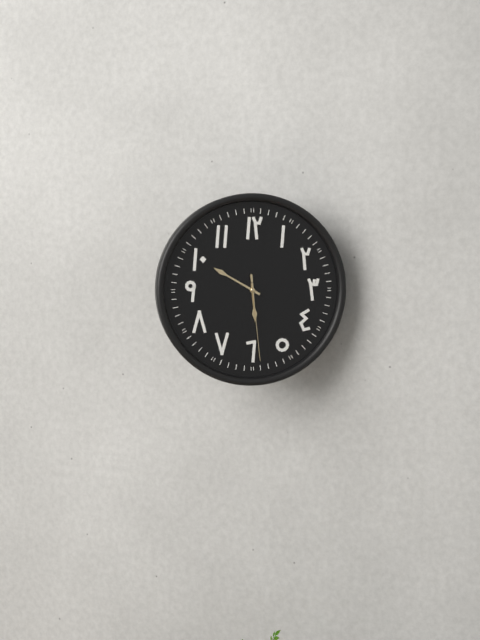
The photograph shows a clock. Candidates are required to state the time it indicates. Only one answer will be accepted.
5:50:29
